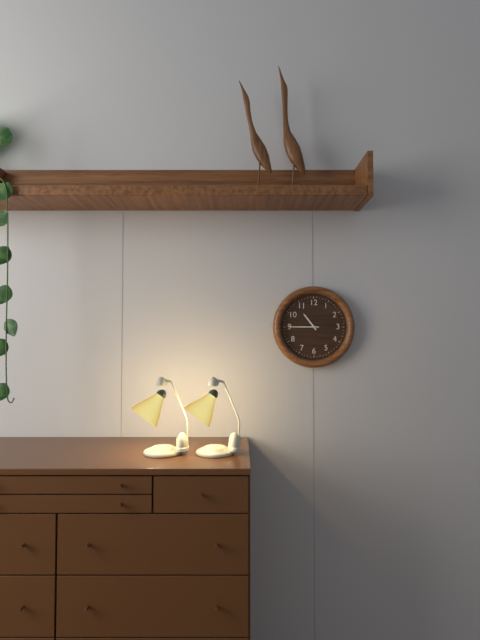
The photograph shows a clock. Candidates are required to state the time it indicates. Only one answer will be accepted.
10:45
